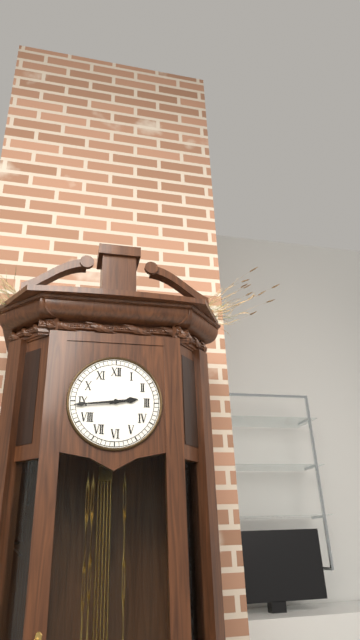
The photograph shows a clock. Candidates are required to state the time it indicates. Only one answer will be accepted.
2:44
